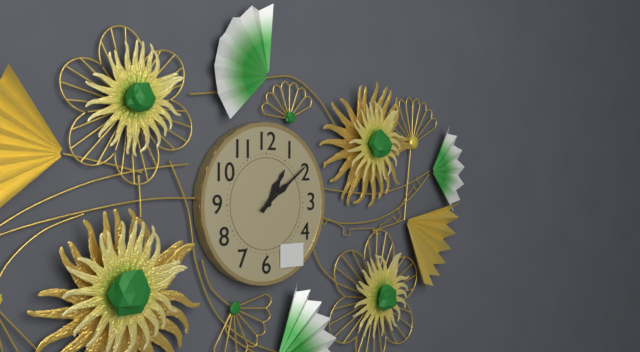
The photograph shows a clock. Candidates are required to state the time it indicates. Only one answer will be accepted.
1:09
